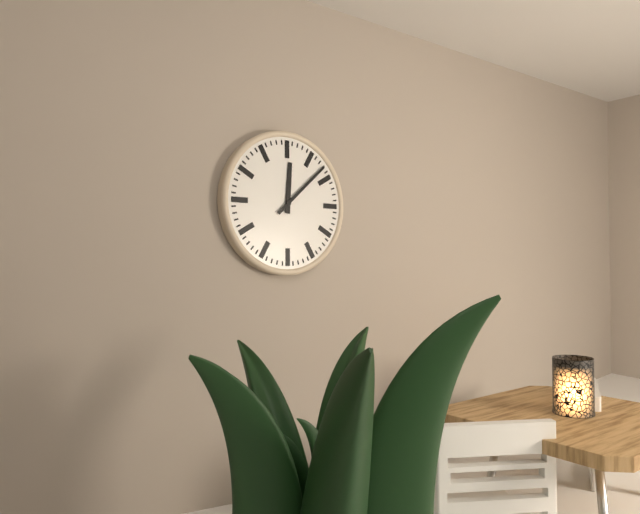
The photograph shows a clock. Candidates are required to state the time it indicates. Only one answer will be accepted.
12:08
